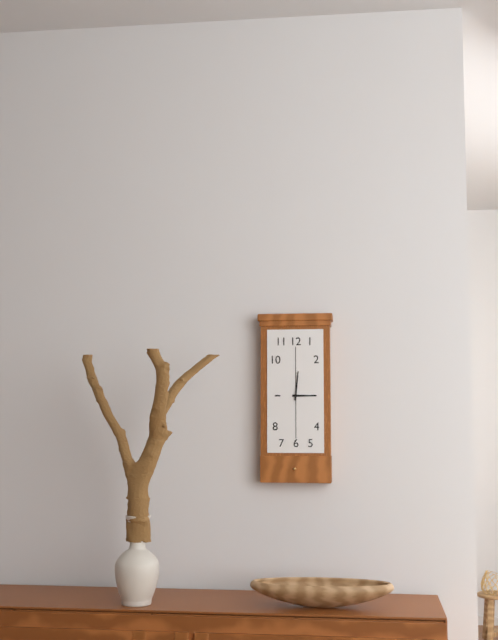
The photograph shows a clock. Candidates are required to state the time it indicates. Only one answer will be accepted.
3:01
